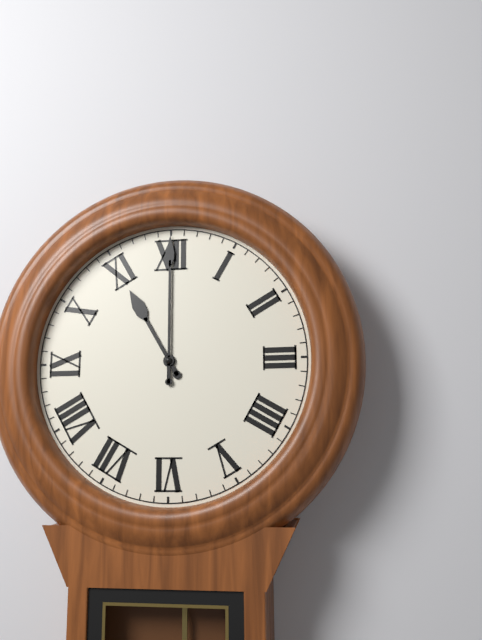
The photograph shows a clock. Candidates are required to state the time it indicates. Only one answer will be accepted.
11:00
